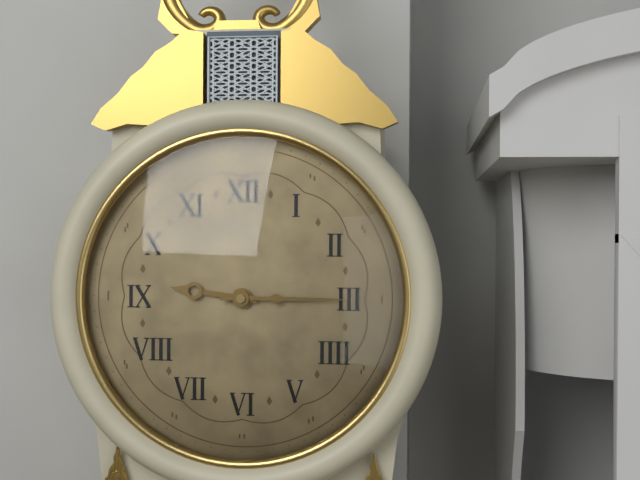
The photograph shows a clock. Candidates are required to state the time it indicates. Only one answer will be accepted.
9:15
